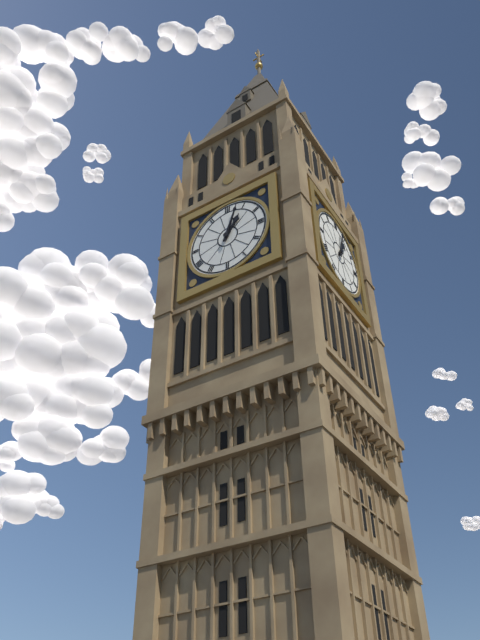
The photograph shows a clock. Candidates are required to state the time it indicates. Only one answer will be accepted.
1:03
